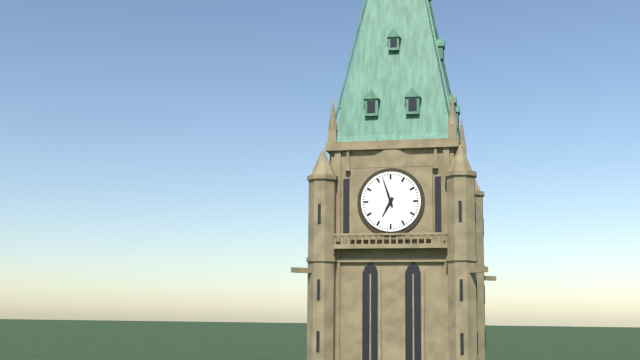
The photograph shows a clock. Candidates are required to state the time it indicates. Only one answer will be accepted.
6:57
